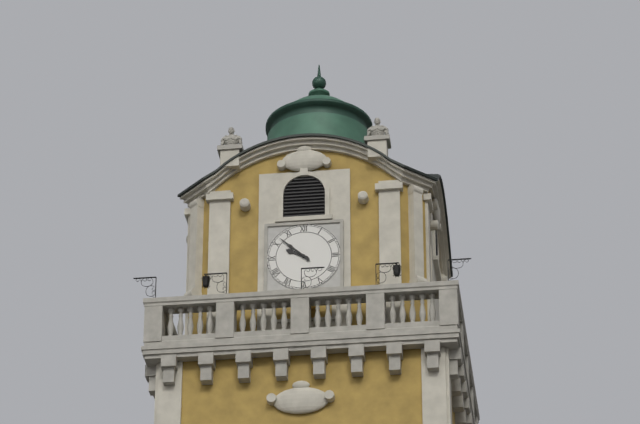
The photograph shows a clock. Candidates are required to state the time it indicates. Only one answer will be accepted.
9:52
